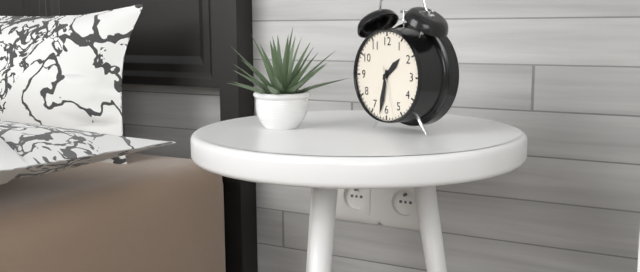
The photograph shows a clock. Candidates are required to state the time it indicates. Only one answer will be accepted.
1:32:27
